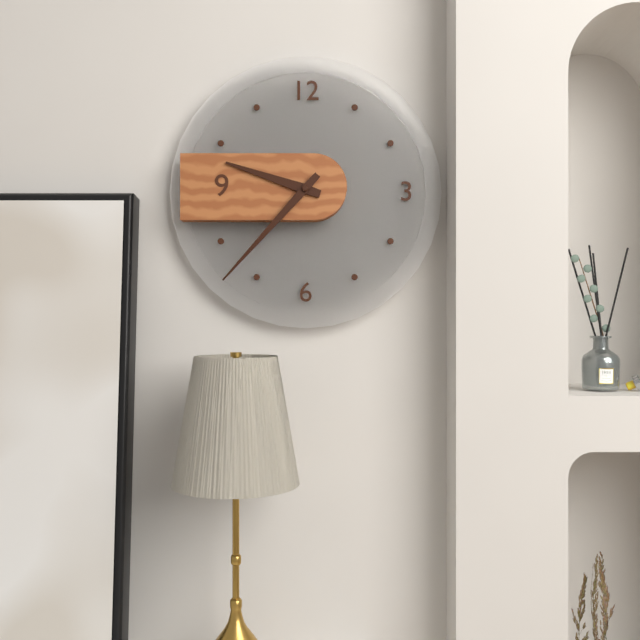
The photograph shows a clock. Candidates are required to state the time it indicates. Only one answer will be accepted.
9:37
